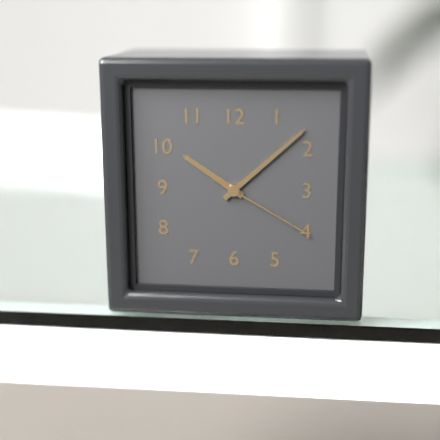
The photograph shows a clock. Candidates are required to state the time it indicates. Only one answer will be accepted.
10:08:20
